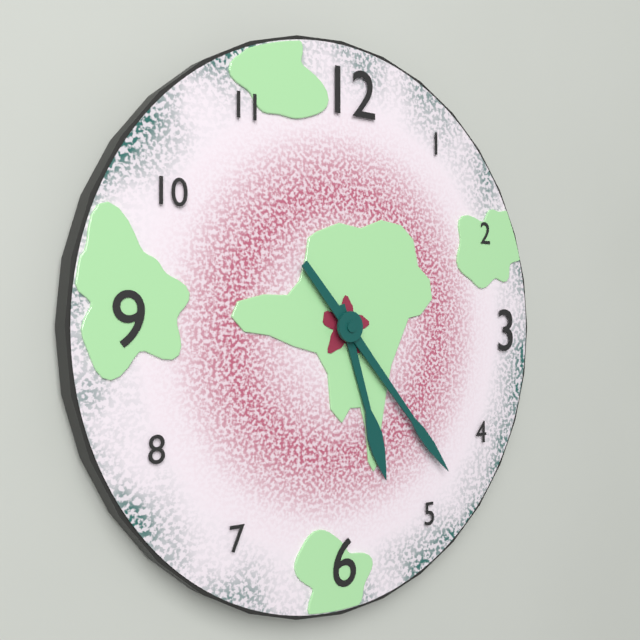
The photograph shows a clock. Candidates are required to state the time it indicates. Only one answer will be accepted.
5:23
